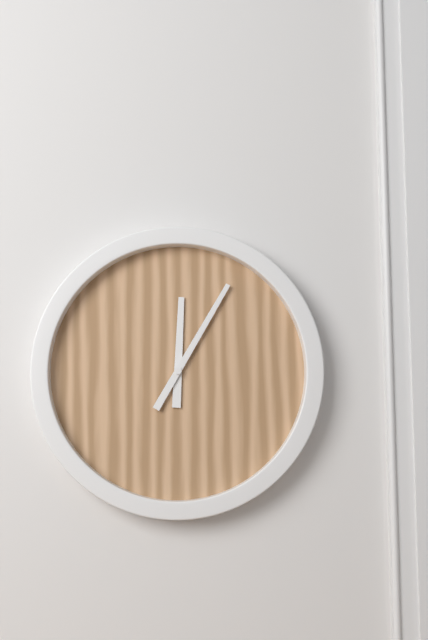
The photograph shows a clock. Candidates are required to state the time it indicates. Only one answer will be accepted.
12:05
